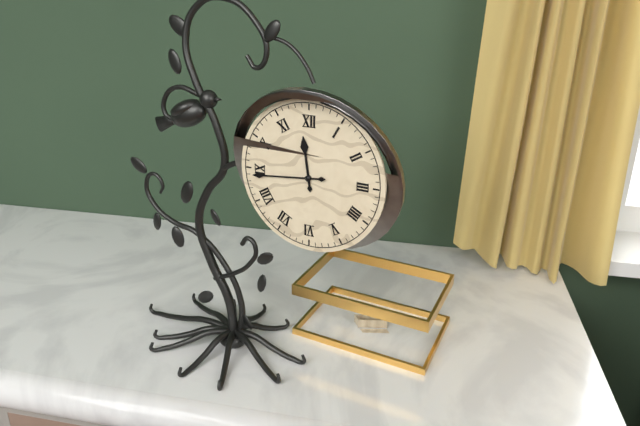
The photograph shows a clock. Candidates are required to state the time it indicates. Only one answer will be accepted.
11:44
